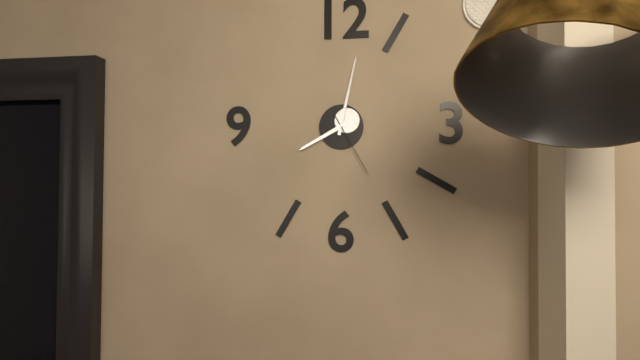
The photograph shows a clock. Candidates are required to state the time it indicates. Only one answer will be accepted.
8:02:25
